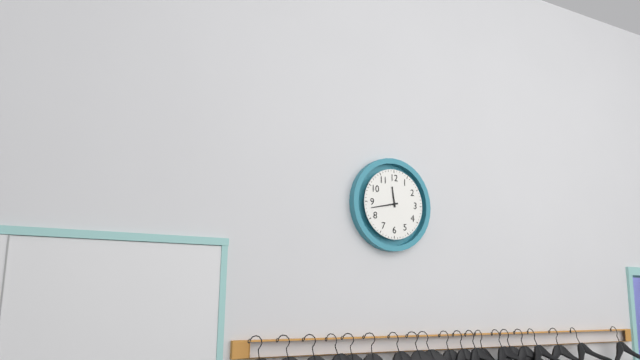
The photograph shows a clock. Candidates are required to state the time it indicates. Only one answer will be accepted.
11:43
